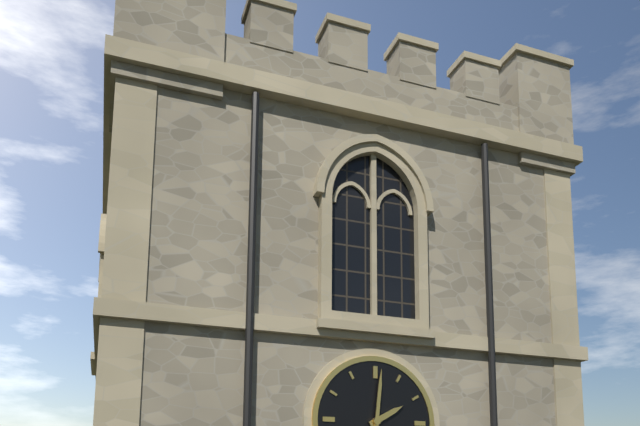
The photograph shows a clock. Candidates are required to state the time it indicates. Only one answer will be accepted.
2:01
